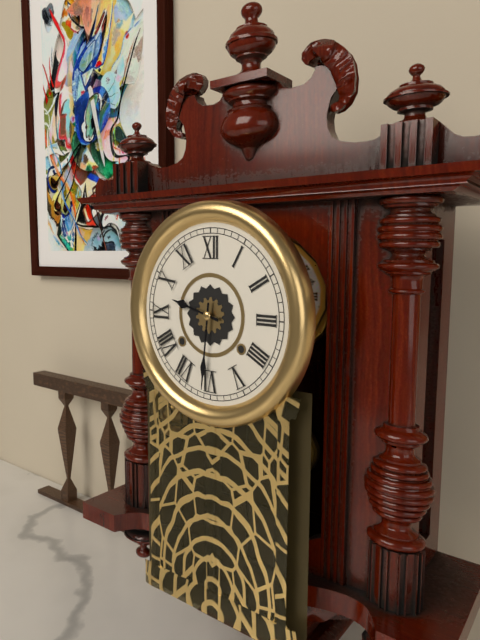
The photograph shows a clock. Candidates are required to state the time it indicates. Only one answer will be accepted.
9:31
